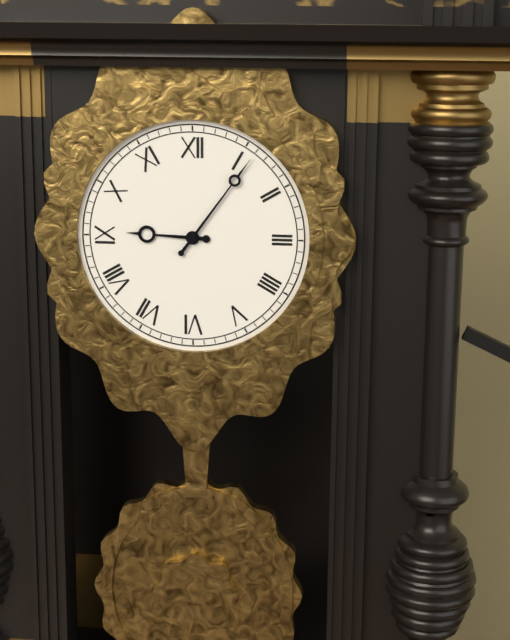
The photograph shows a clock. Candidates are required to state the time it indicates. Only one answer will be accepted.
9:06
